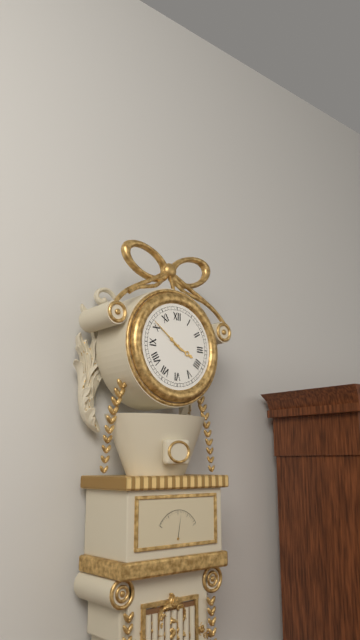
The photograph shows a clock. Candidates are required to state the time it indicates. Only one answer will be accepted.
3:51
